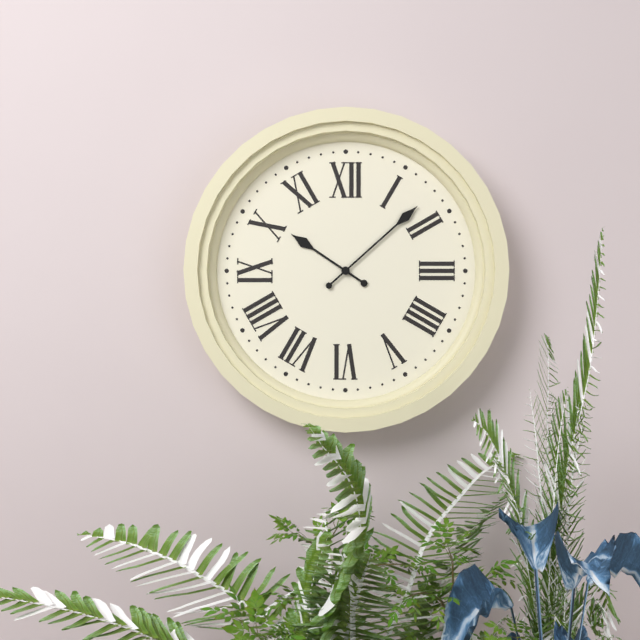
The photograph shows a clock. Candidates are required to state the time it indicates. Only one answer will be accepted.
10:08
